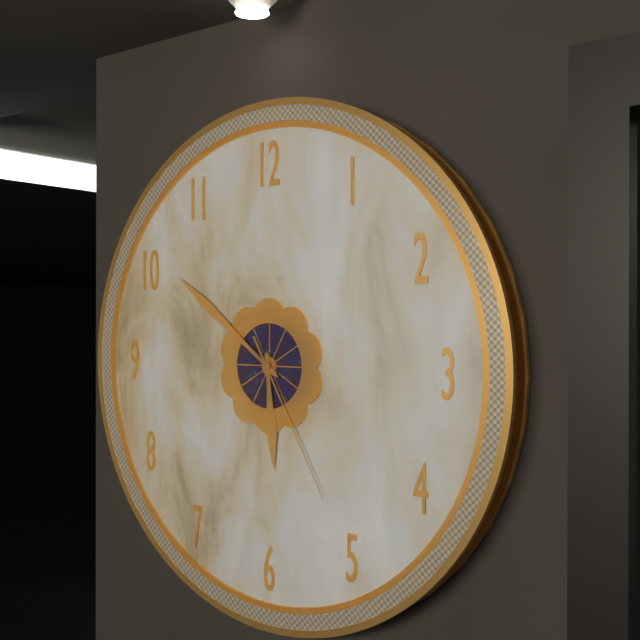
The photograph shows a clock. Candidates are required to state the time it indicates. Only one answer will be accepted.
5:51:25
